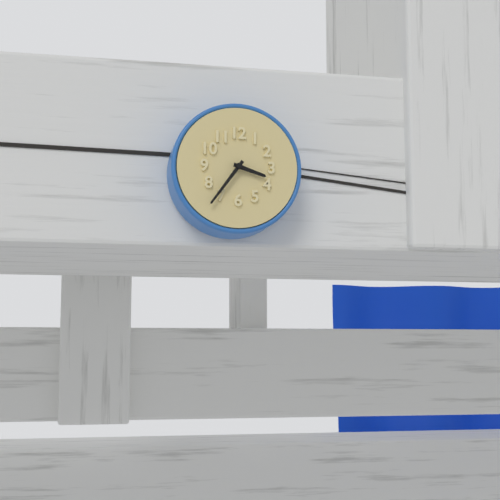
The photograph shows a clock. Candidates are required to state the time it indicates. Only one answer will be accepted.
3:36
